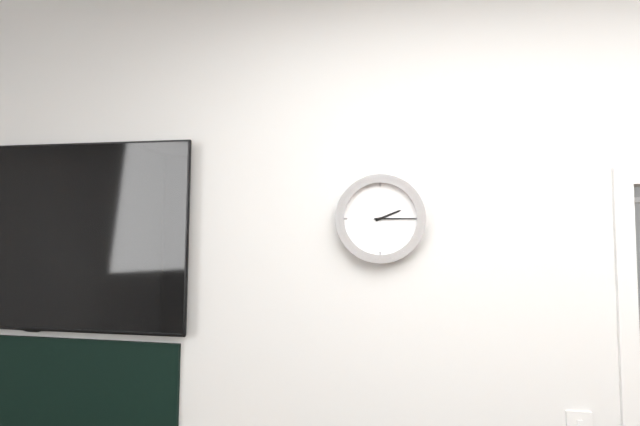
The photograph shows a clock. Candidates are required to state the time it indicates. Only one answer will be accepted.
2:15
